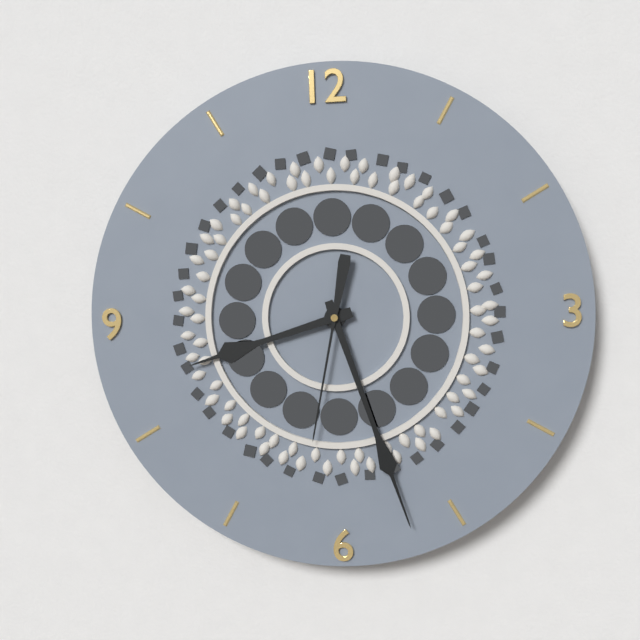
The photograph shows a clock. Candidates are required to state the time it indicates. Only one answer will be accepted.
8:27:32
